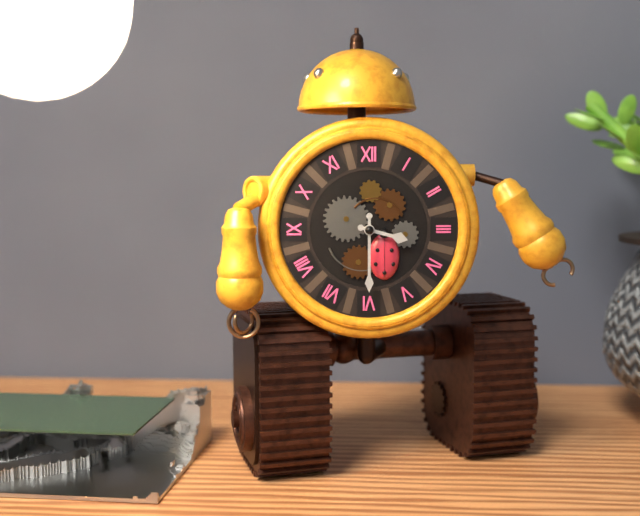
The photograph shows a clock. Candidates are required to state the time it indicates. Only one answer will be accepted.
3:30
